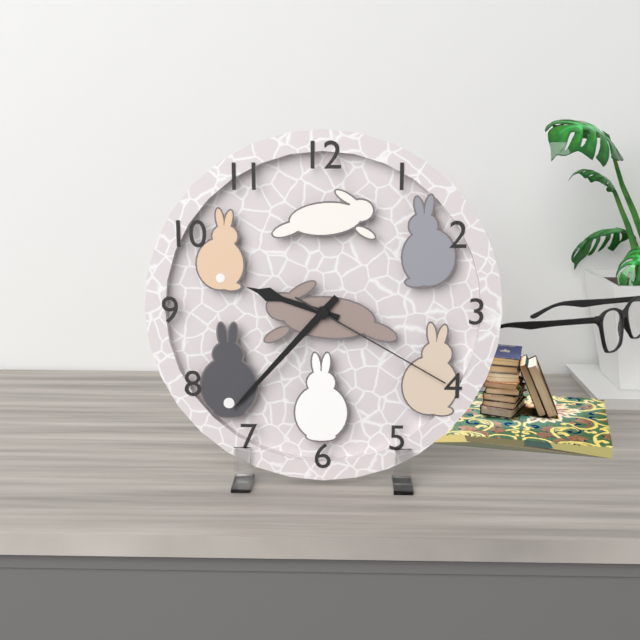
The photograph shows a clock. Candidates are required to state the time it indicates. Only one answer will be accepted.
9:37:20
